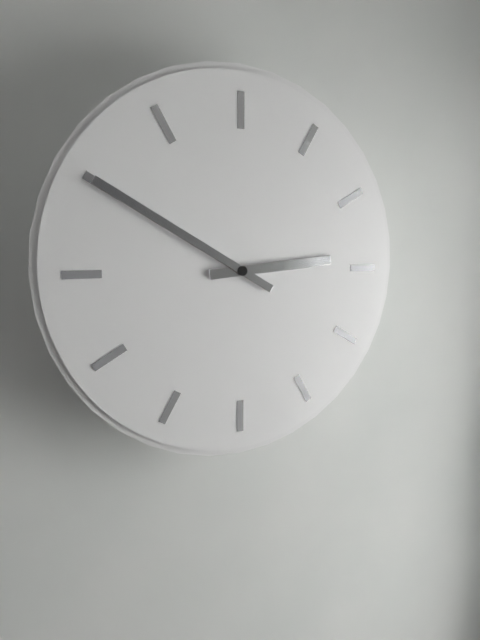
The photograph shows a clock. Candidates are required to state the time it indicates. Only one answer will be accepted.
2:50
